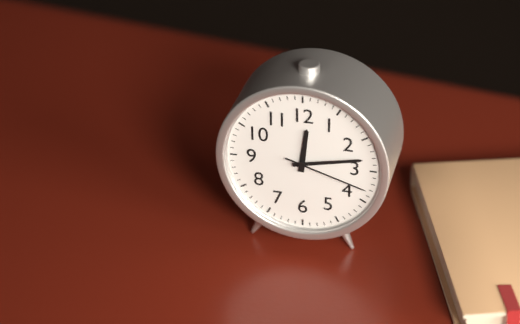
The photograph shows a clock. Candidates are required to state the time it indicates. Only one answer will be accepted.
12:13:18
